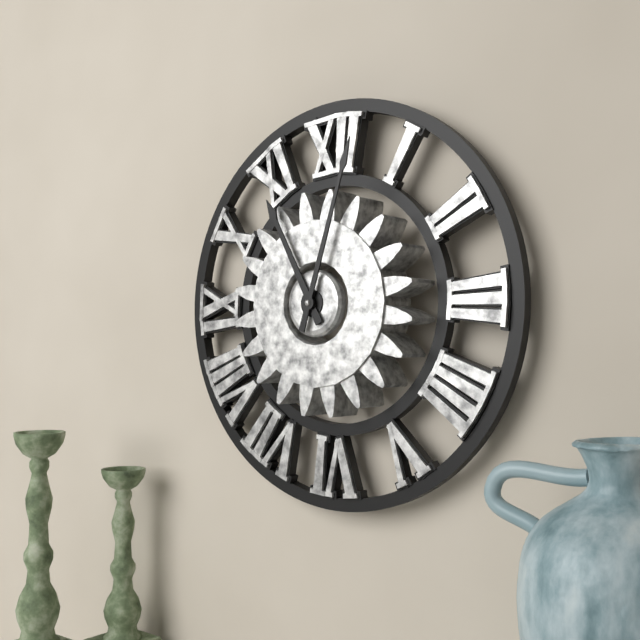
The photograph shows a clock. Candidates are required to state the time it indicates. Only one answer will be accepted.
11:03
